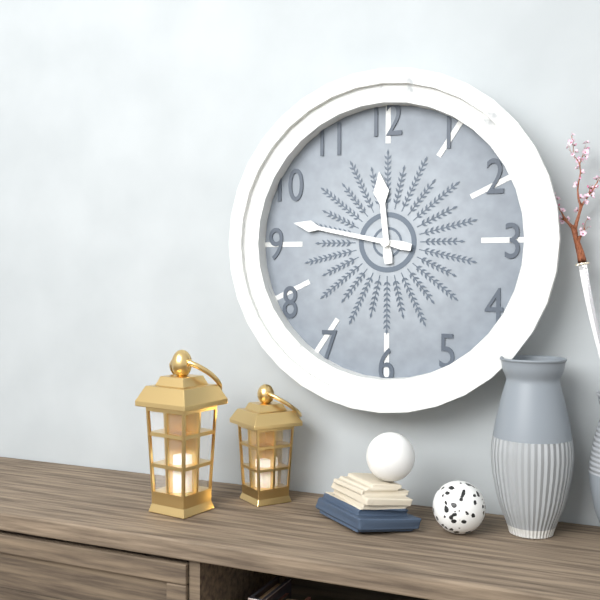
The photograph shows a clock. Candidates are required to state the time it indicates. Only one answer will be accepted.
11:47
